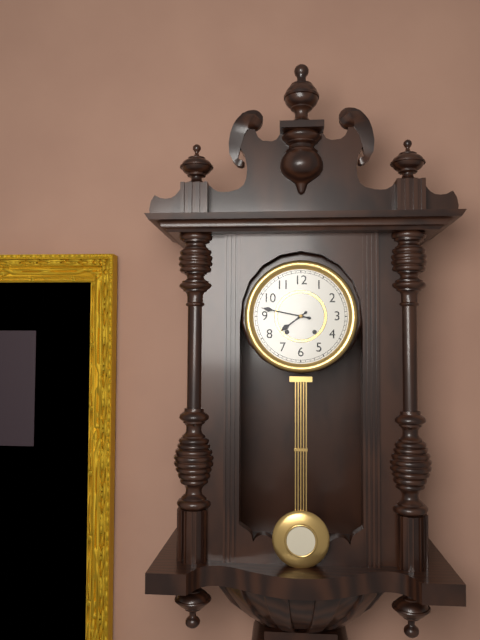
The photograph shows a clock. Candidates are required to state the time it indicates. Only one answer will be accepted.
7:47
